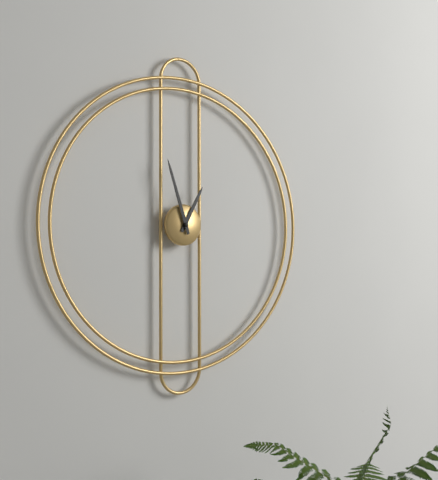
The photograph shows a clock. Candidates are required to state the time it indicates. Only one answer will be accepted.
12:57
